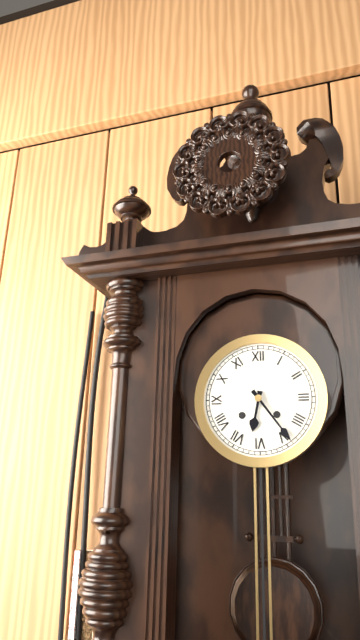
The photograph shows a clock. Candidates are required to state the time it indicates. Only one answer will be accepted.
6:24
